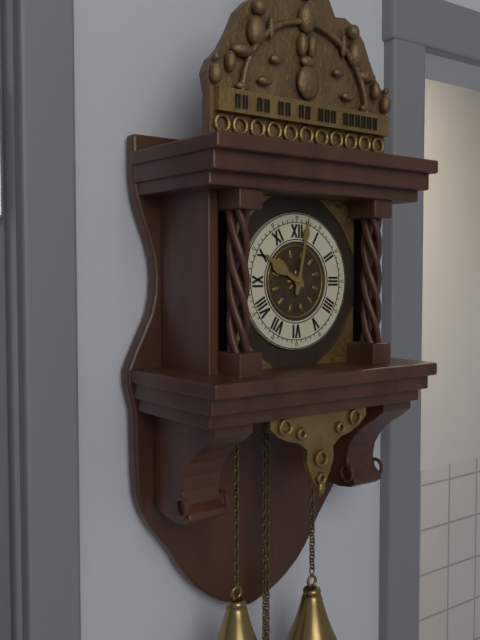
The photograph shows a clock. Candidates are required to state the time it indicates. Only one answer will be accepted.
10:02
